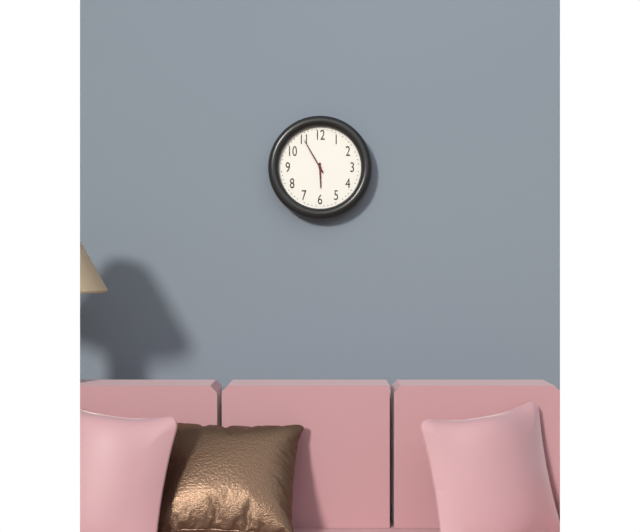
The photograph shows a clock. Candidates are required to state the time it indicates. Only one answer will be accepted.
5:55
